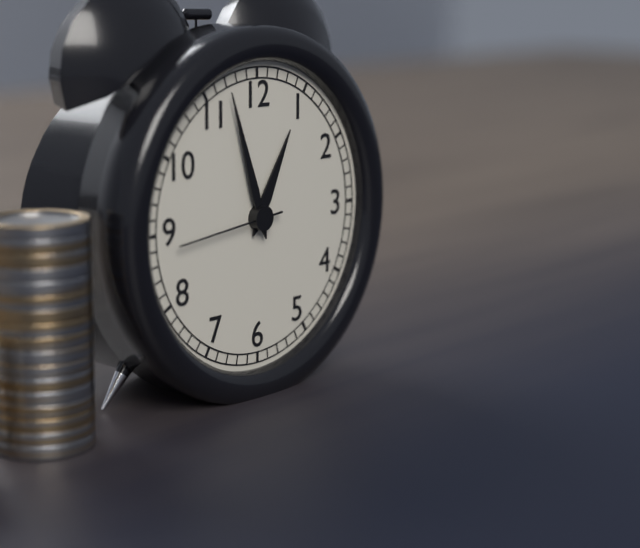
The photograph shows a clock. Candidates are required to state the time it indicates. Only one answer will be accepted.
12:57:44
